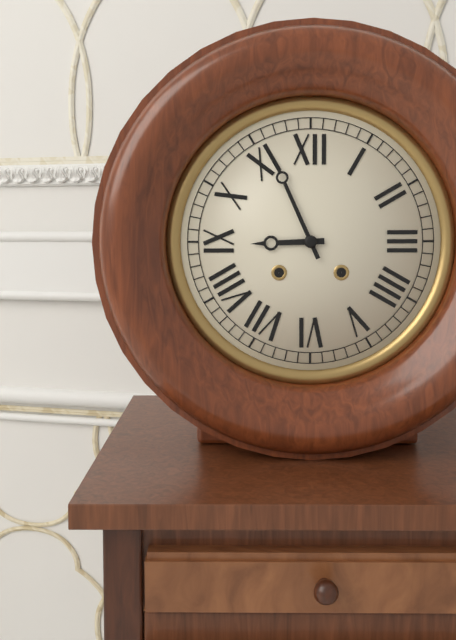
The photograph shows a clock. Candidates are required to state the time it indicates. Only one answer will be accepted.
8:56
